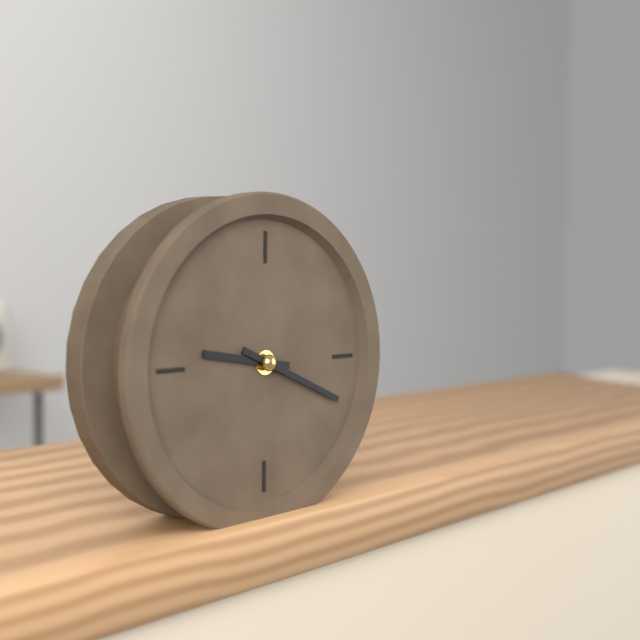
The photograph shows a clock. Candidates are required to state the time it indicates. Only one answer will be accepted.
9:19
